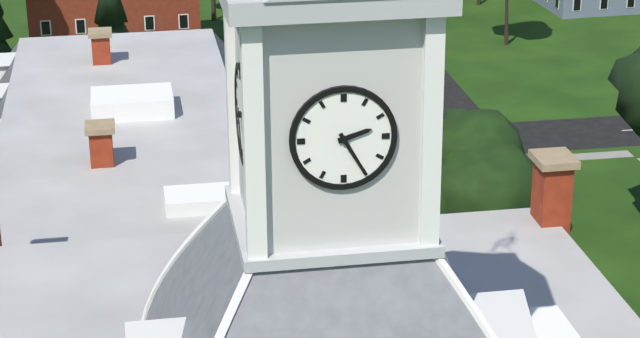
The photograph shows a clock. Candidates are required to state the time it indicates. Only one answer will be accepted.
2:25
